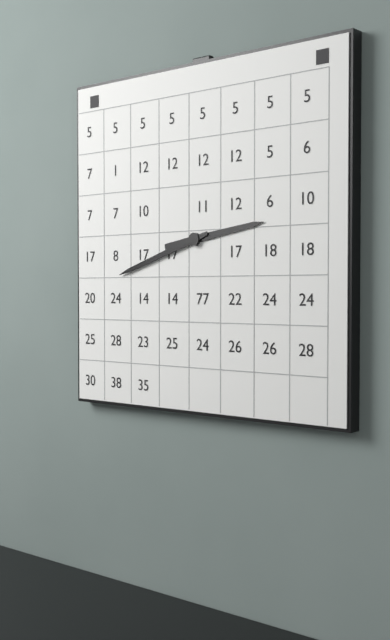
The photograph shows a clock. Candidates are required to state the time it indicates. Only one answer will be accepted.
2:42
